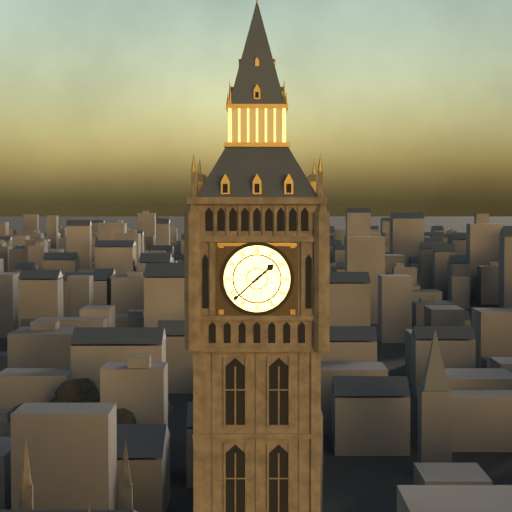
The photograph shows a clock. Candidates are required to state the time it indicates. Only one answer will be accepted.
1:38
